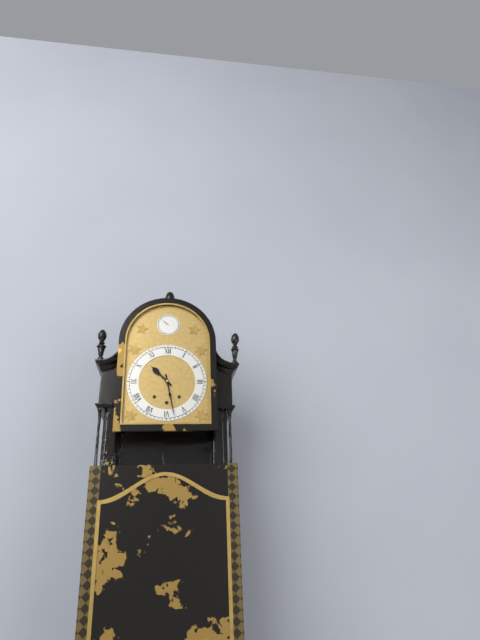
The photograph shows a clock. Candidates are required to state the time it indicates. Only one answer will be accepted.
10:28
